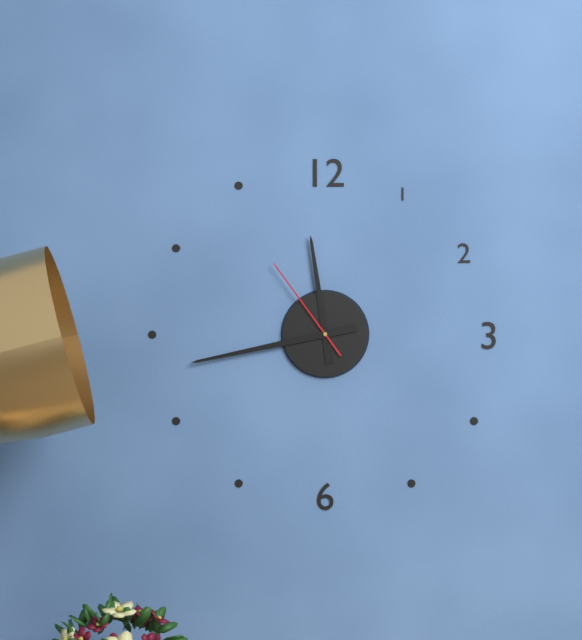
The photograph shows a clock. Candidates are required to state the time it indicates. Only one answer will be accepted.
11:43:54
